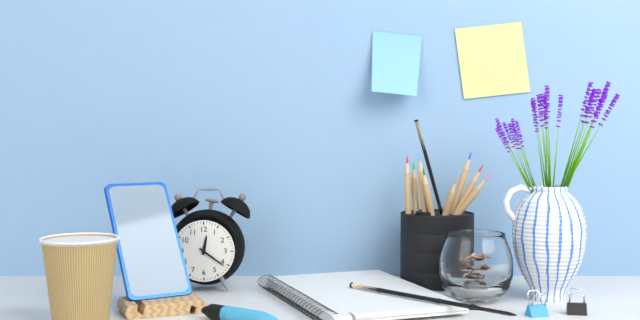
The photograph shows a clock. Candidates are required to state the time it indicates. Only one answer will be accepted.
12:21
